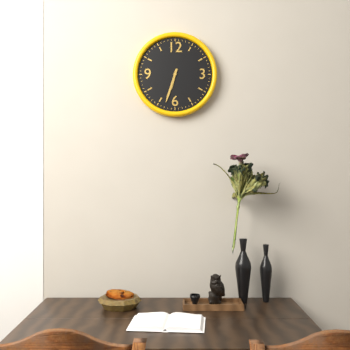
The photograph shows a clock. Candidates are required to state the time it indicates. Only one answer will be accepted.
6:33
